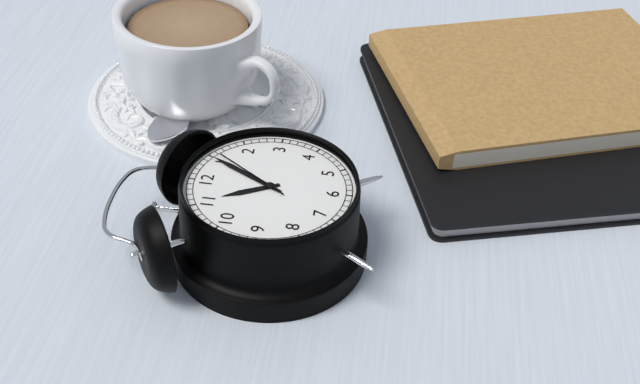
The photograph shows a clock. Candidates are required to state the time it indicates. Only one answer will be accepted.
11:05:06
